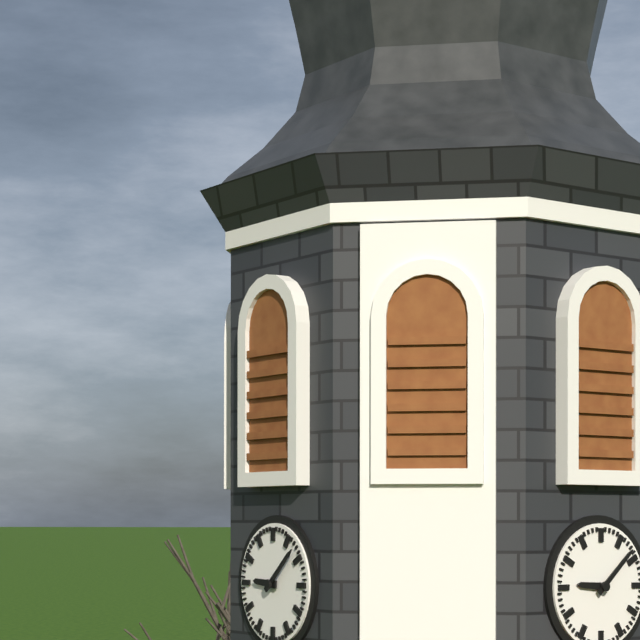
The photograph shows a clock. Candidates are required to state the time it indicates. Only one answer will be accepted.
9:08
